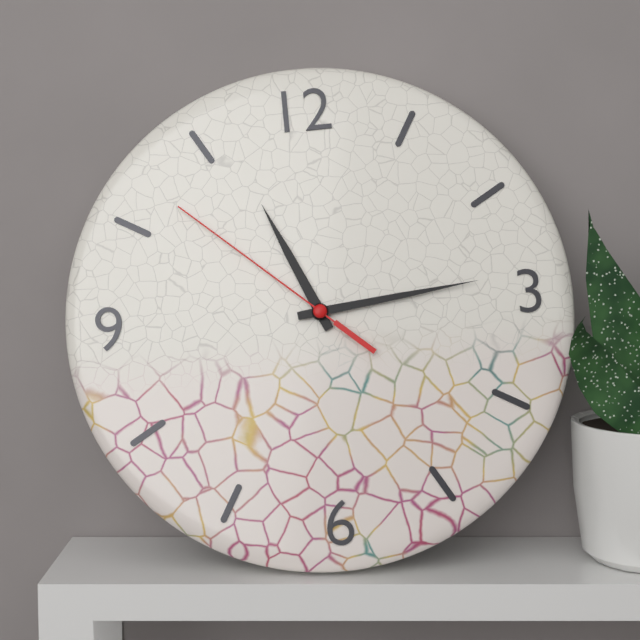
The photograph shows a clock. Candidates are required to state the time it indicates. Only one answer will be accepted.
11:14:52
